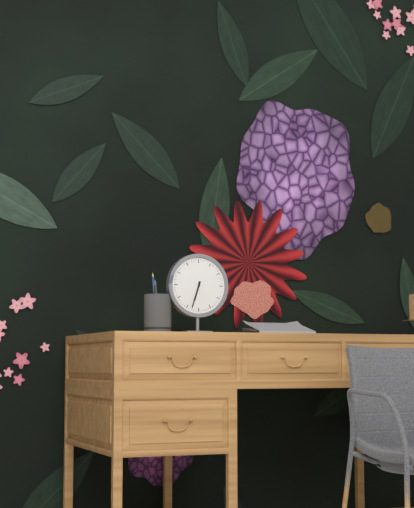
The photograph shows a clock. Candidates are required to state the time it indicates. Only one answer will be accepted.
6:33
